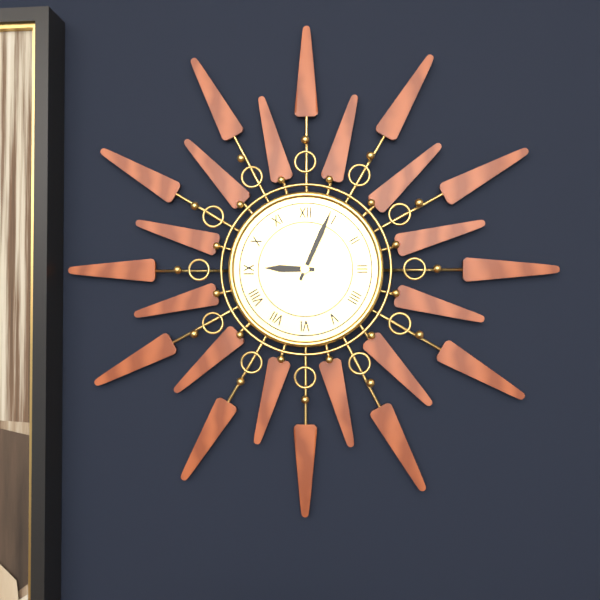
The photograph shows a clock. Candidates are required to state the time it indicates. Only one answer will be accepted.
9:04
